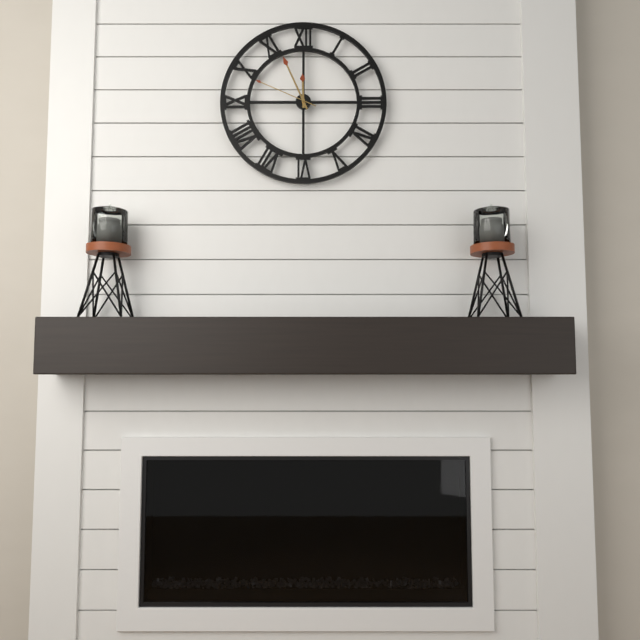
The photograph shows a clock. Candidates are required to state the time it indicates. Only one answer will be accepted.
11:56:49
